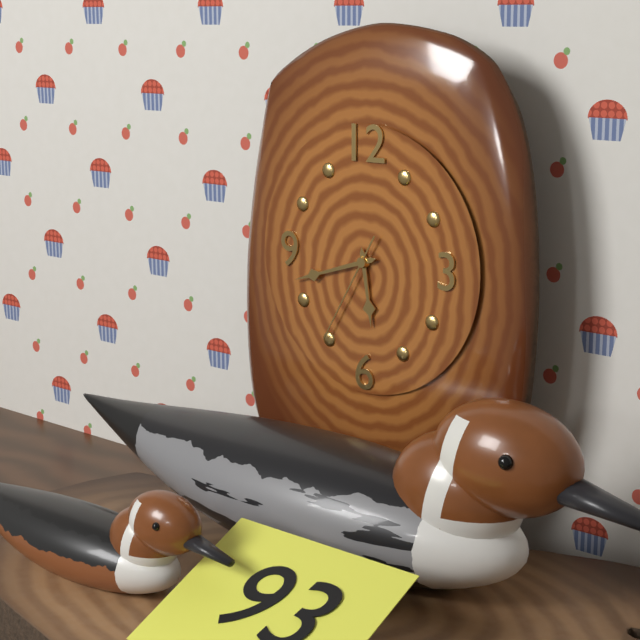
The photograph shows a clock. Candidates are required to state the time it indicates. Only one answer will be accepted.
5:42:35
